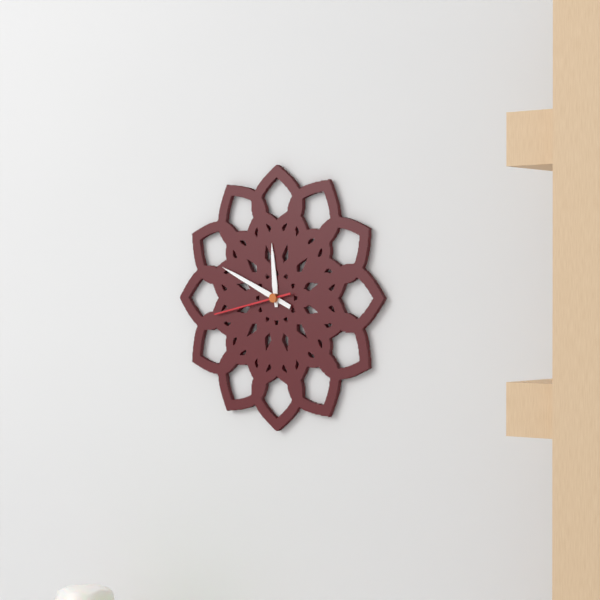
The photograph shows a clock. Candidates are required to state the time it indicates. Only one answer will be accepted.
11:49:43
